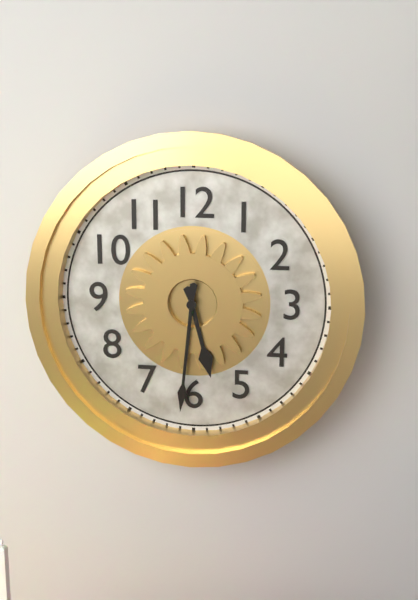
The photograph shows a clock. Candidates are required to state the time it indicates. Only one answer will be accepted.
5:31
